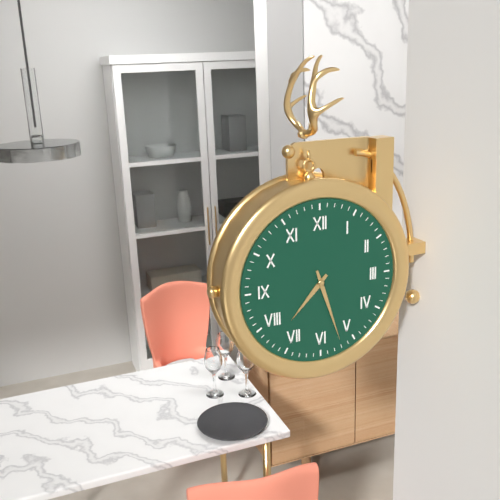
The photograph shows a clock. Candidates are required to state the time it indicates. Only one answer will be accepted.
7:27
